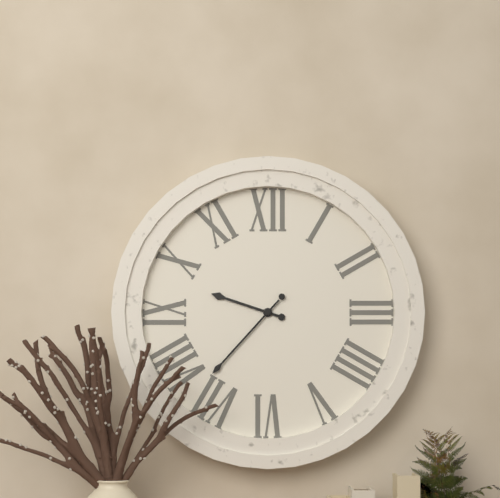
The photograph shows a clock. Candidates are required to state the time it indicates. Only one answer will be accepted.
9:37
